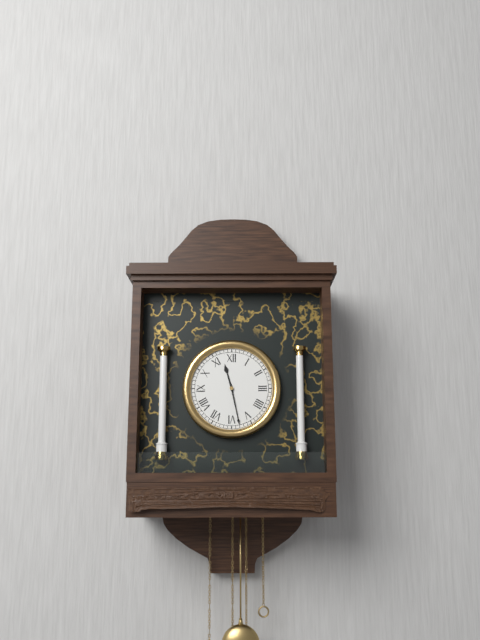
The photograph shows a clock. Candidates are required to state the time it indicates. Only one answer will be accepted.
11:28
